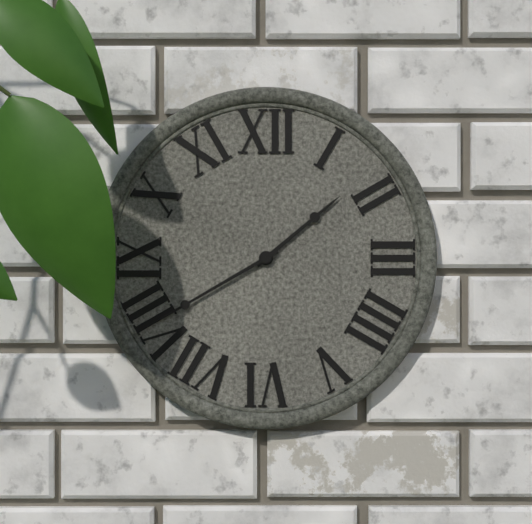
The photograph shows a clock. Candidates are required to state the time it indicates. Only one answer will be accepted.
1:40
